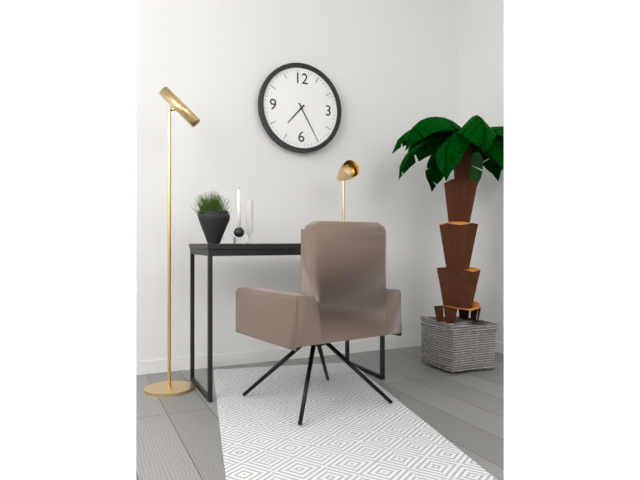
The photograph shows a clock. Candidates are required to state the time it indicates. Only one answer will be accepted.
7:25
